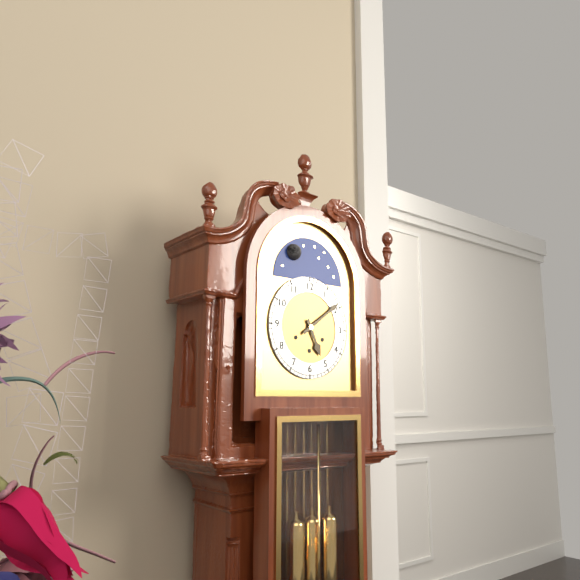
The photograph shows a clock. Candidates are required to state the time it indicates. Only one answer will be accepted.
5:09
